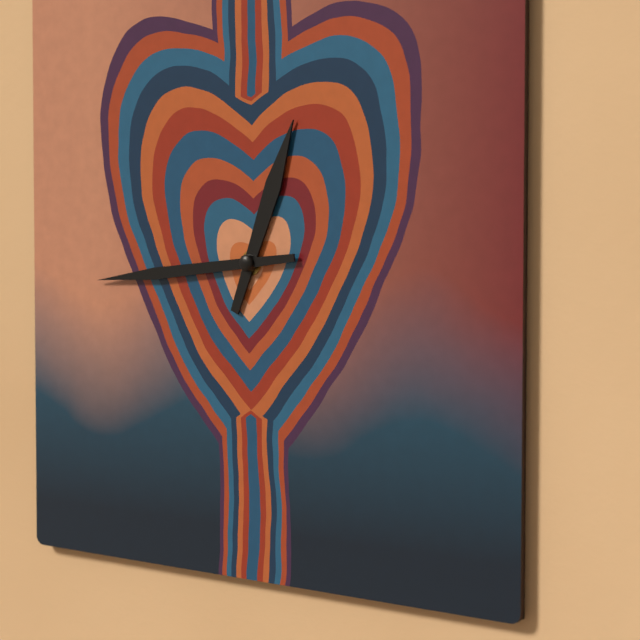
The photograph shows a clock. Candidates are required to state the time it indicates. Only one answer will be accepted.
12:44
